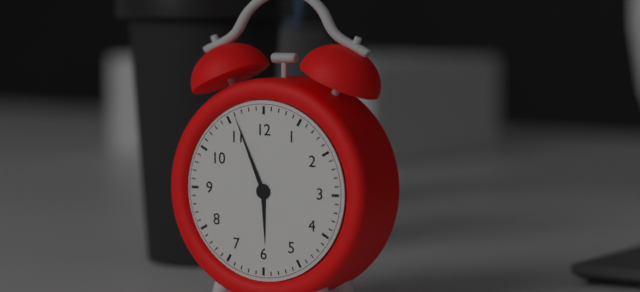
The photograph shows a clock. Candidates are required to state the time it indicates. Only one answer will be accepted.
5:56
